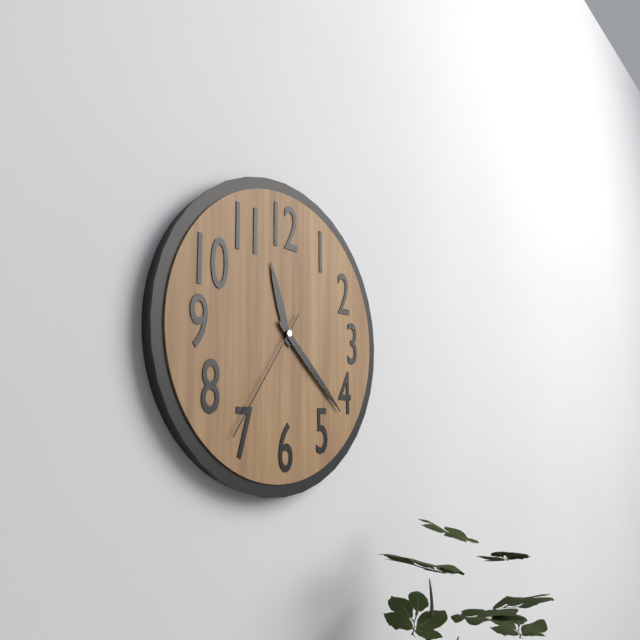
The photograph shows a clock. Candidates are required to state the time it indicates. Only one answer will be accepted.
11:22:36
